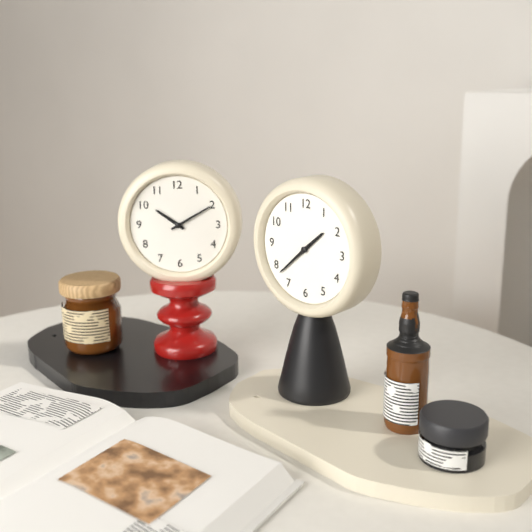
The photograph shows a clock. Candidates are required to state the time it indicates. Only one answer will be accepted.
1:38
